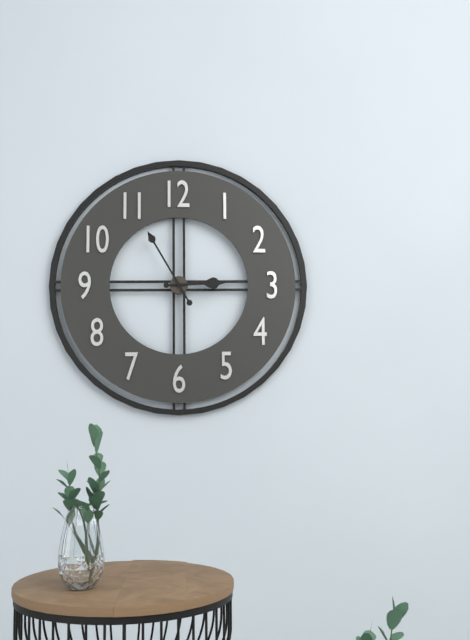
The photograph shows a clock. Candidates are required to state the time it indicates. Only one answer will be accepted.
2:55
